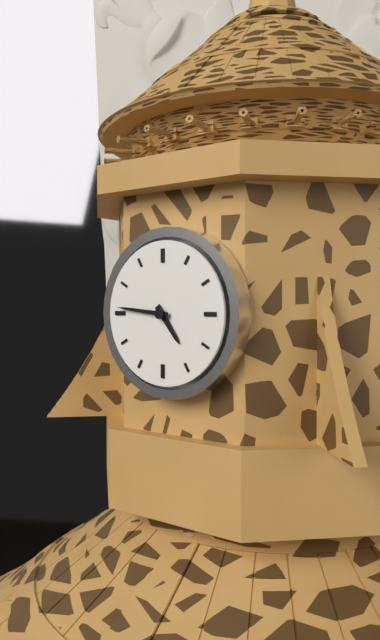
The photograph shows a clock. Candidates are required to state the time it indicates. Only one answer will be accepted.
4:46
